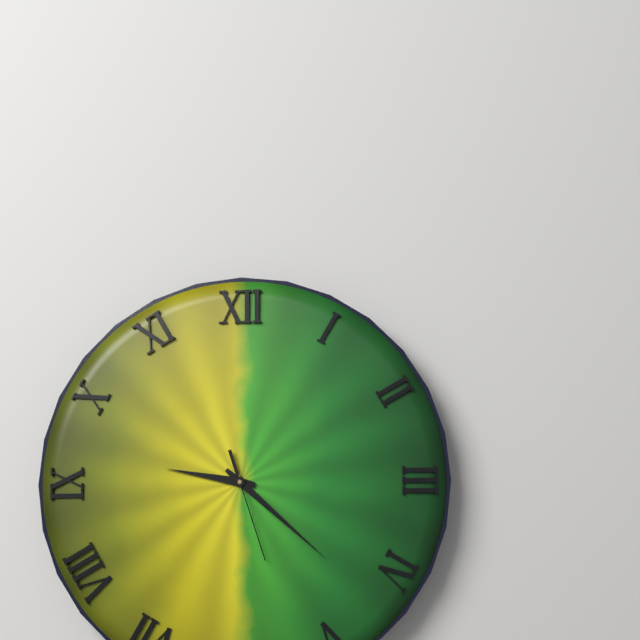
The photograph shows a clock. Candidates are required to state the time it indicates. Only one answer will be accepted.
9:22:27
